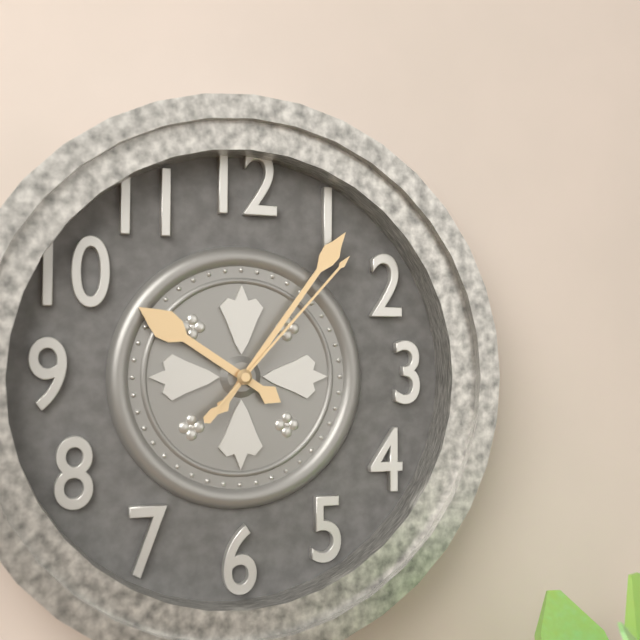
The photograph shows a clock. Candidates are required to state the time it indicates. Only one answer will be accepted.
10:06:07
